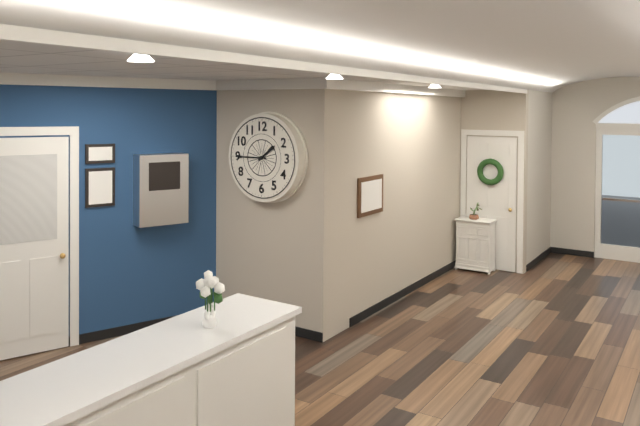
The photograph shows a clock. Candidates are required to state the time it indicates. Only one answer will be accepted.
1:45
